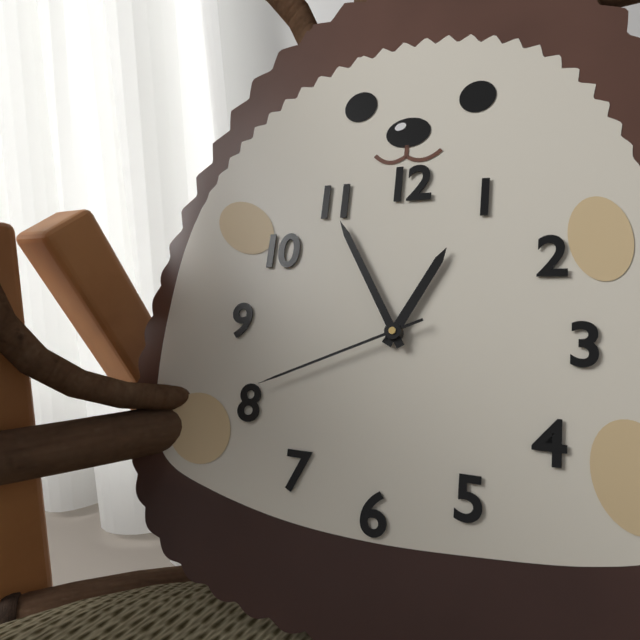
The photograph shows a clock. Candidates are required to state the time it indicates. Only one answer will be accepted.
12:55:41
